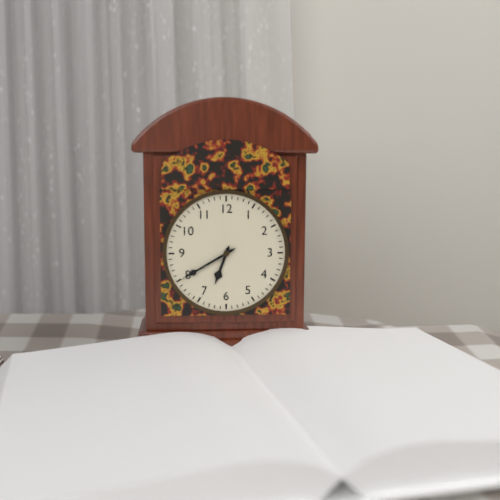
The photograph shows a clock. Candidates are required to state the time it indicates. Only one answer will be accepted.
6:40
